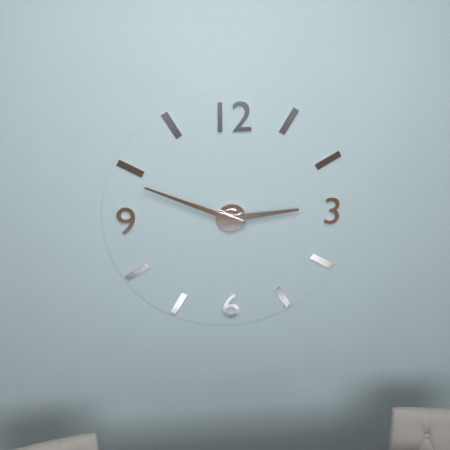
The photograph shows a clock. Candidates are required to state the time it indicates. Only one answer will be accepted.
2:49
